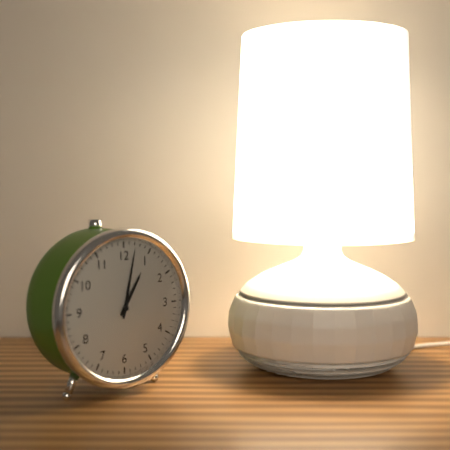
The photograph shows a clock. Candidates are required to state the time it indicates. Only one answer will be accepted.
1:02
